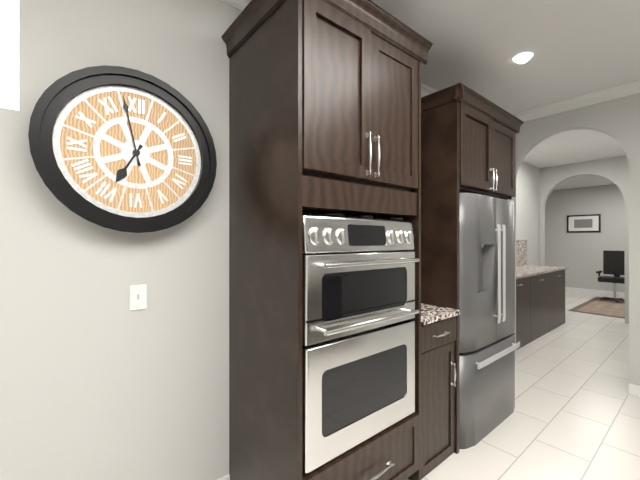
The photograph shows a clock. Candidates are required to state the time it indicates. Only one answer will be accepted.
6:58
